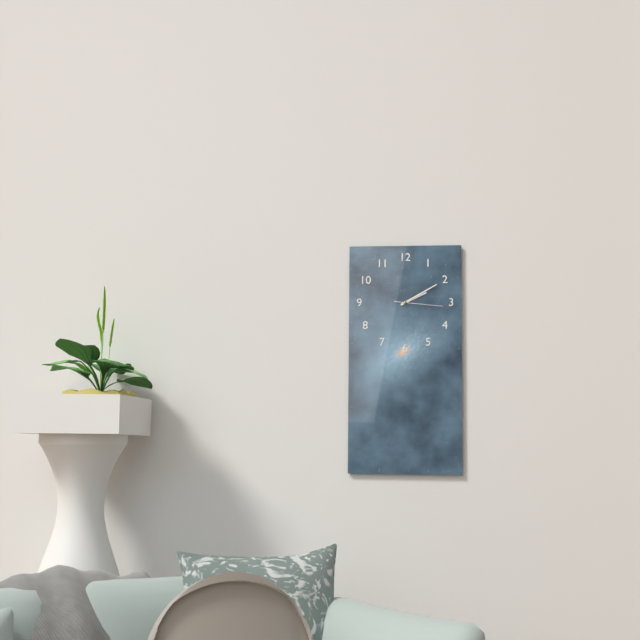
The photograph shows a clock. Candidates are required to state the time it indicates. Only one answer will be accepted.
2:10
